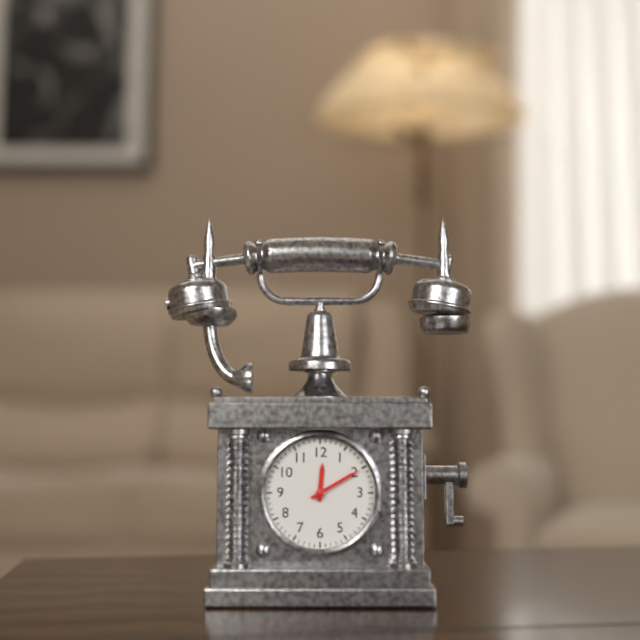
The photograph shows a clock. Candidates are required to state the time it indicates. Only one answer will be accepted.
12:10
